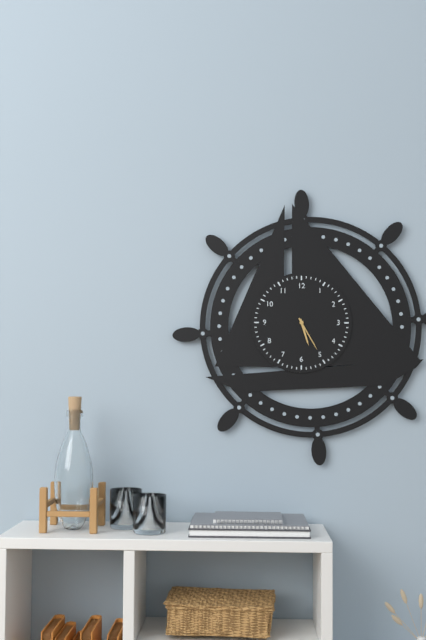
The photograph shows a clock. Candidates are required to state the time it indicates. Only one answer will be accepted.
5:25
